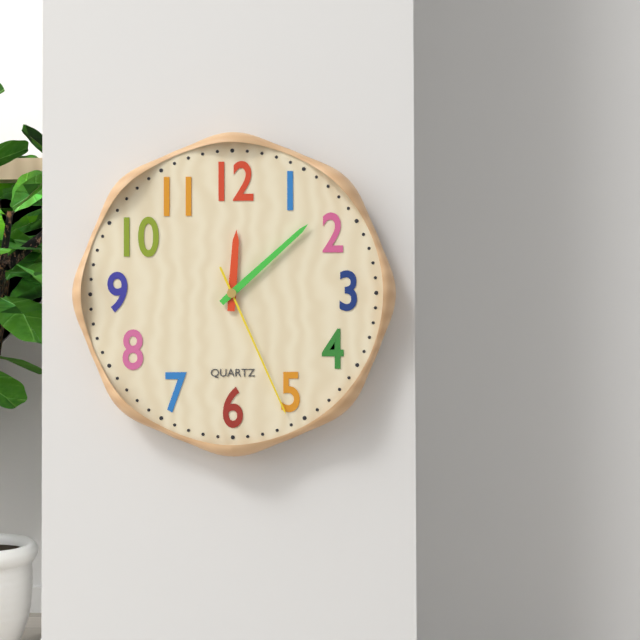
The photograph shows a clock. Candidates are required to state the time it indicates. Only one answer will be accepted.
12:08:26
